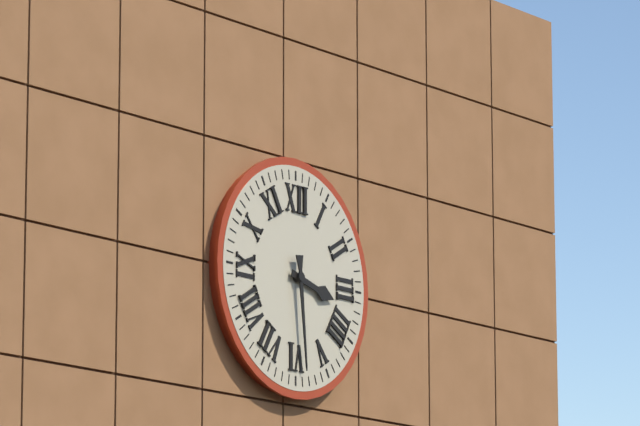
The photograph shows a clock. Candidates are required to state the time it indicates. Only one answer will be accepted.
3:29
